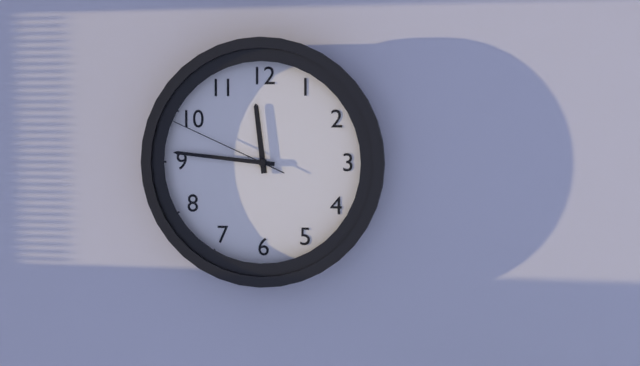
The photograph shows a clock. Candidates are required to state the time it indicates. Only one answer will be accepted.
11:46:49
